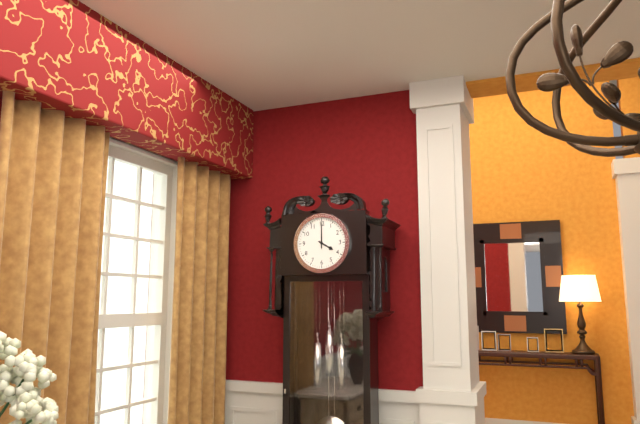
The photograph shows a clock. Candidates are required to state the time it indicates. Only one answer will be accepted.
4:00
